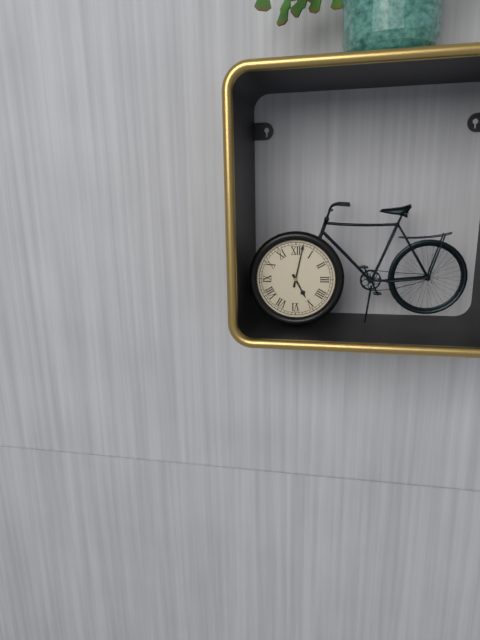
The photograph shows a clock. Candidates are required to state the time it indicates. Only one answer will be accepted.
5:02
